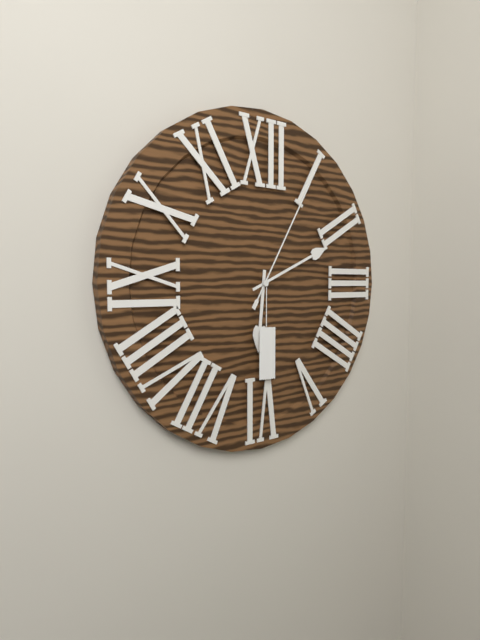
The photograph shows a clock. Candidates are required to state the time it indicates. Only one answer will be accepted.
6:11:05
